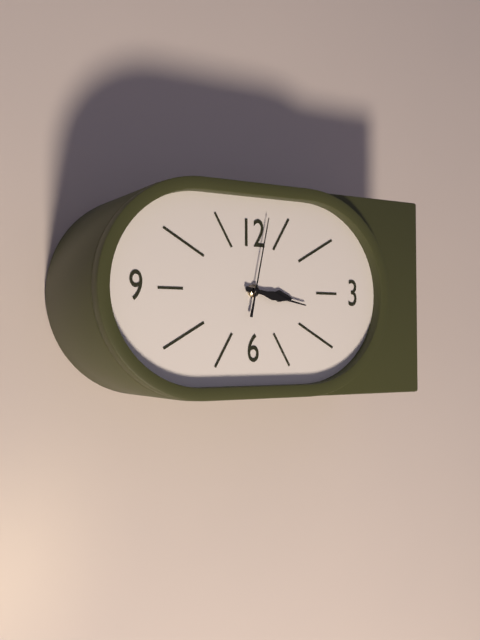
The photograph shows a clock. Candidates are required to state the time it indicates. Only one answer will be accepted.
3:17:02
